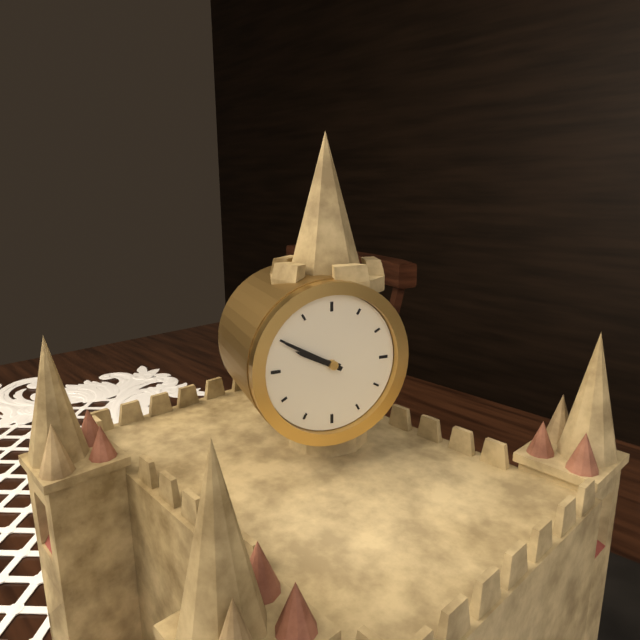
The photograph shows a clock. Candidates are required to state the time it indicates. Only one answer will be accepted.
9:50
